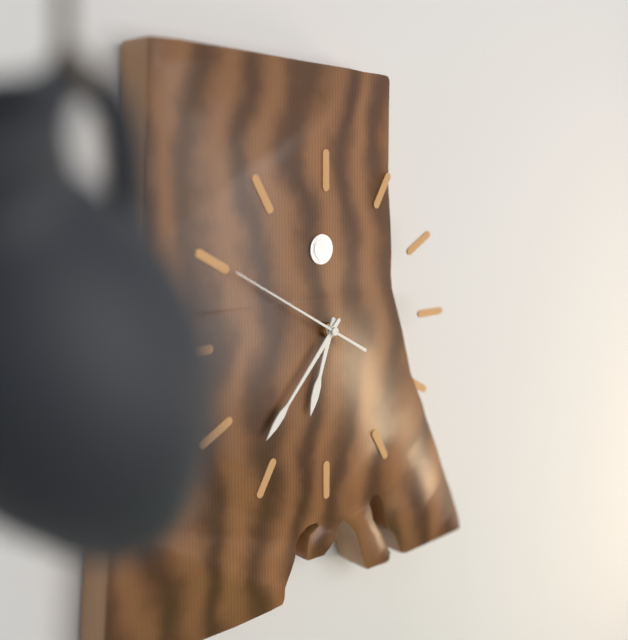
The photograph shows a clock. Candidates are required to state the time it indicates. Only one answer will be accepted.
6:37:50
